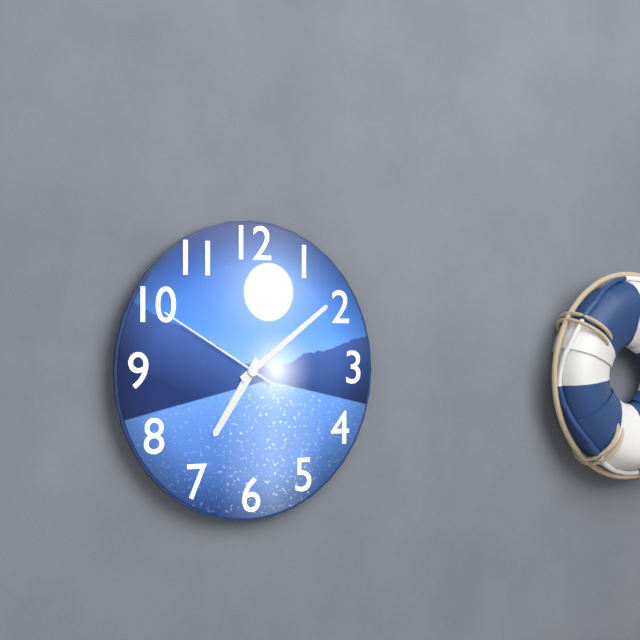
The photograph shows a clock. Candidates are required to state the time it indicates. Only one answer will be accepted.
7:09:50
